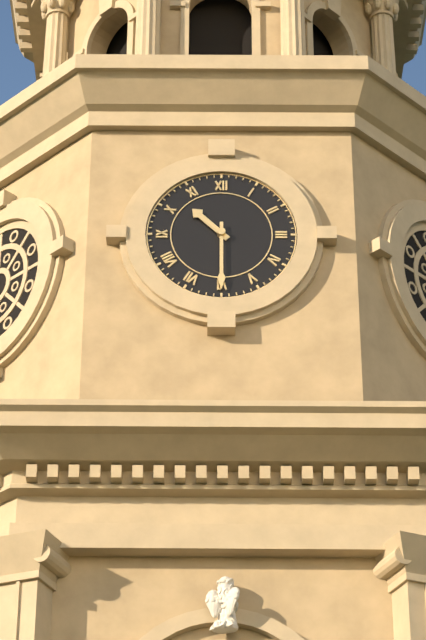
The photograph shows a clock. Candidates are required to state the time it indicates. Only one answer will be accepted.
10:30
